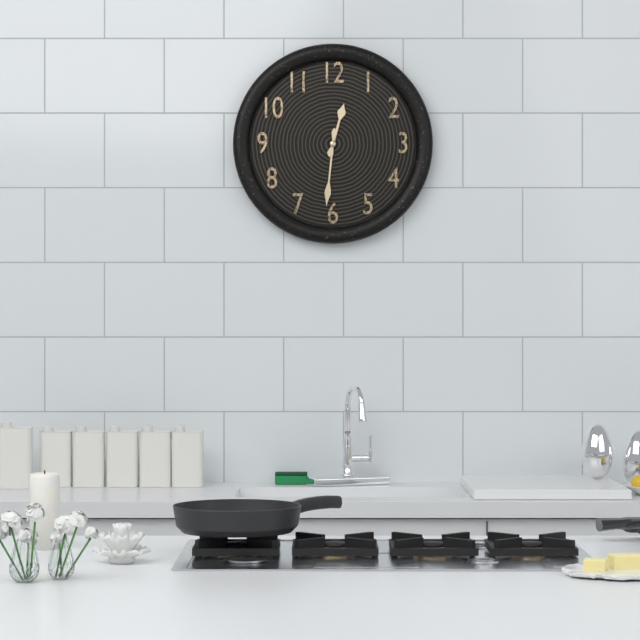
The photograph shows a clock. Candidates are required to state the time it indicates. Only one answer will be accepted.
12:31
